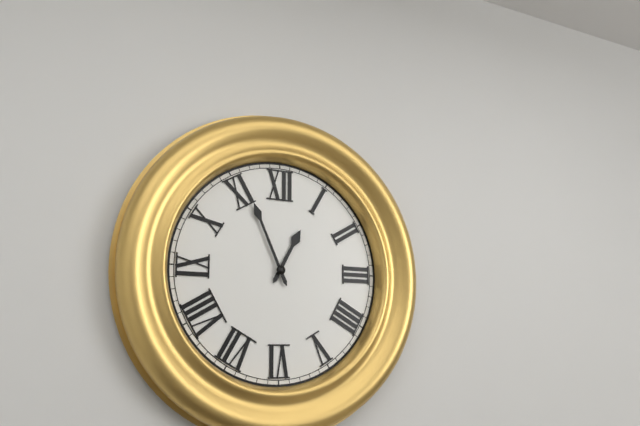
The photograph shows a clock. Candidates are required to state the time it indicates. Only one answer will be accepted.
12:56
